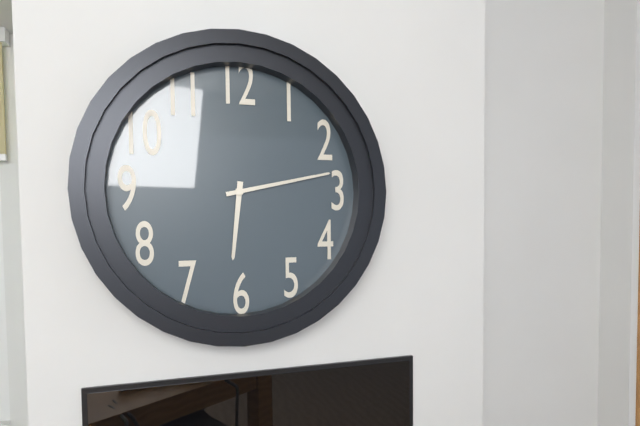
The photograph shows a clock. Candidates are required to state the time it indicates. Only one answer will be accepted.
6:13
